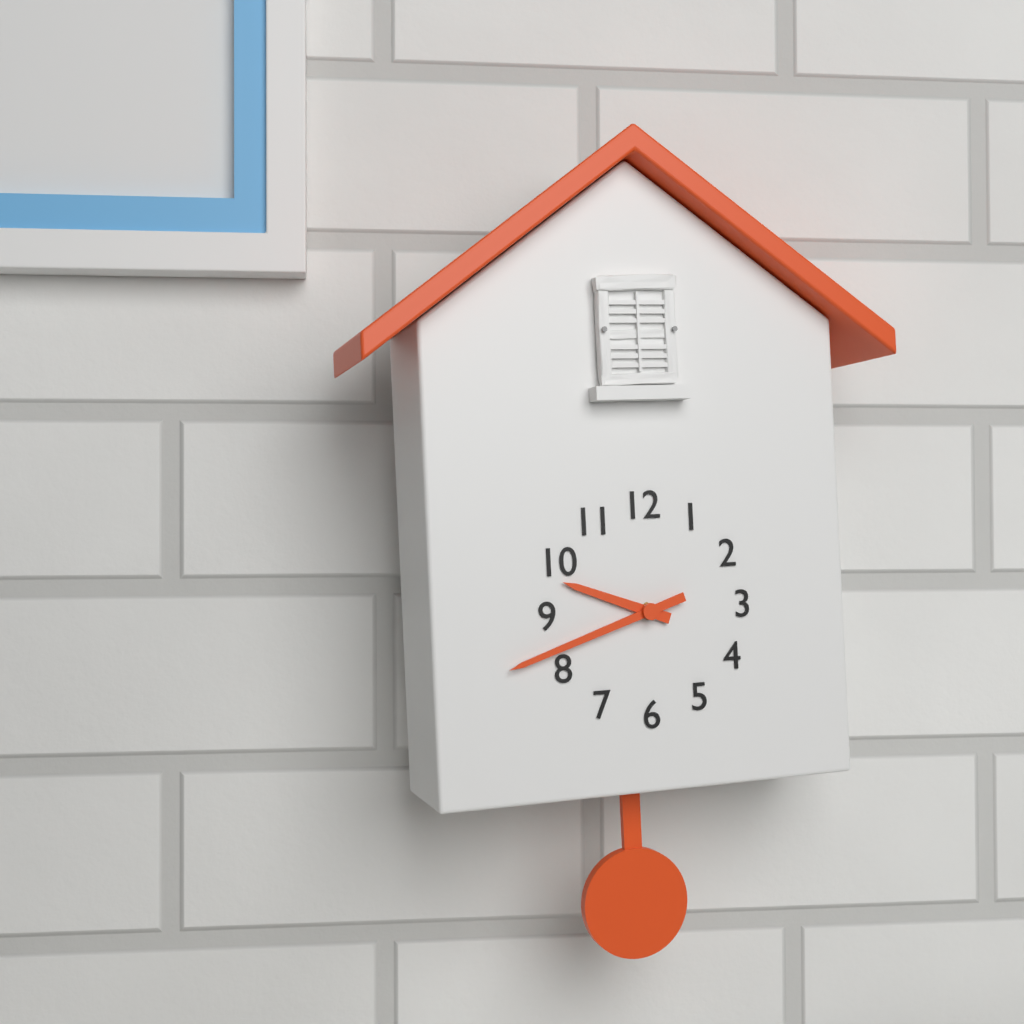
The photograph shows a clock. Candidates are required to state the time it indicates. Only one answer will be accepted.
9:42
